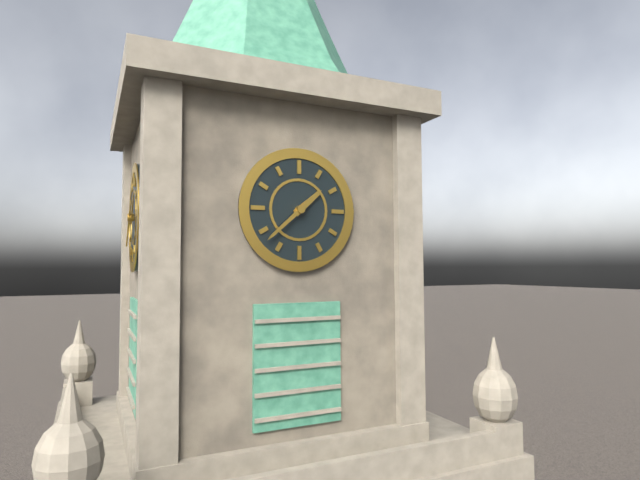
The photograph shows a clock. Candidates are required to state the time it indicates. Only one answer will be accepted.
1:38
